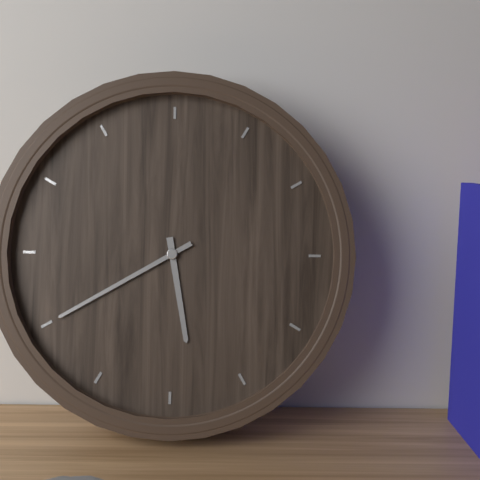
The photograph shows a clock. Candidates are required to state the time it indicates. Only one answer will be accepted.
5:40
